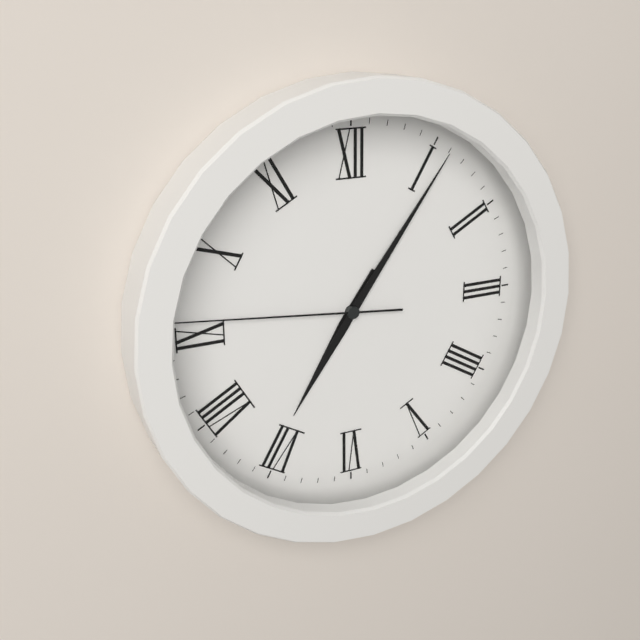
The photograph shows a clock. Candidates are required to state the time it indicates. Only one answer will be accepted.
7:06:46
